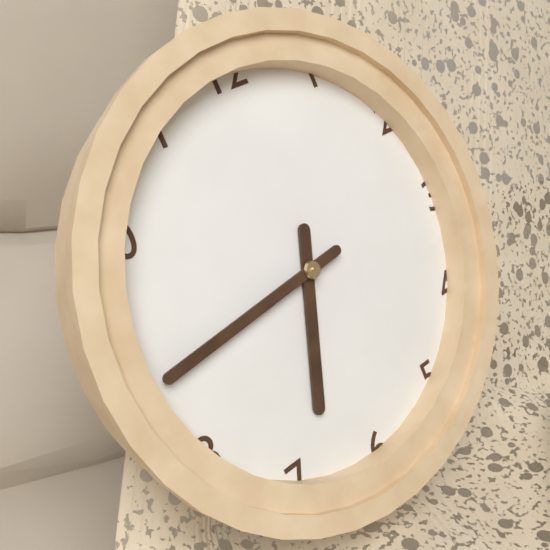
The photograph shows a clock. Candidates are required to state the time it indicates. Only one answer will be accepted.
6:44
